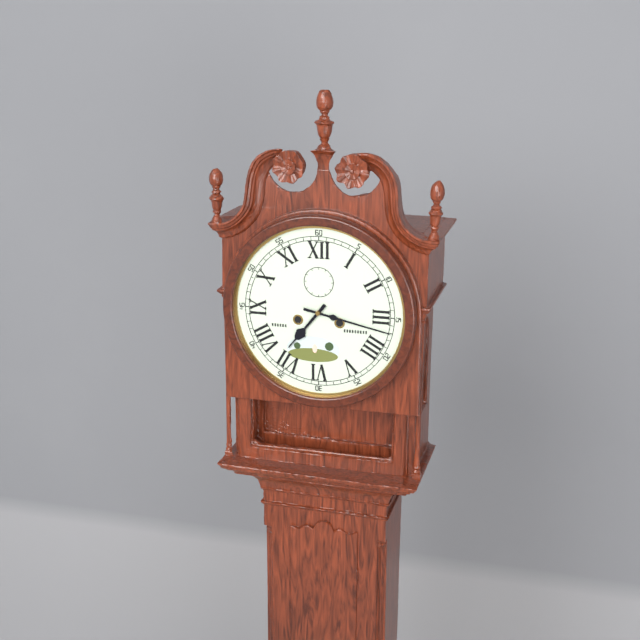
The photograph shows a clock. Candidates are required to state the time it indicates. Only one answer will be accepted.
7:17
